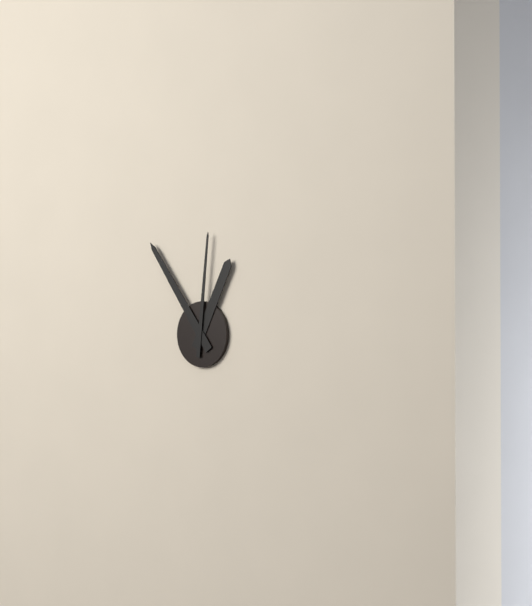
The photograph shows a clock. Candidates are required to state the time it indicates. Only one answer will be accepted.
12:54:01
